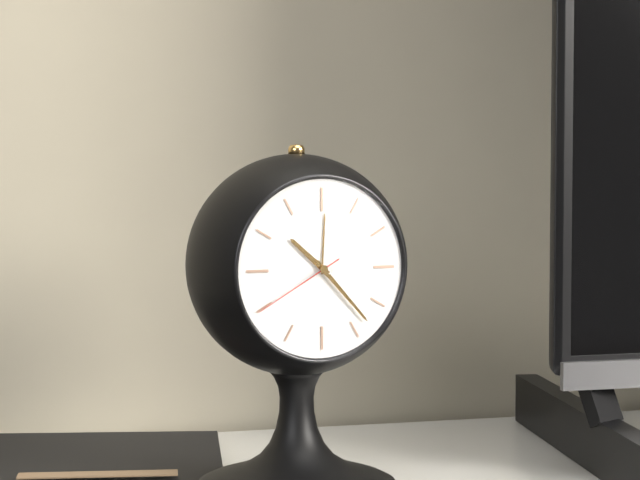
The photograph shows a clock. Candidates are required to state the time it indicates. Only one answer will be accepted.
10:23:40
